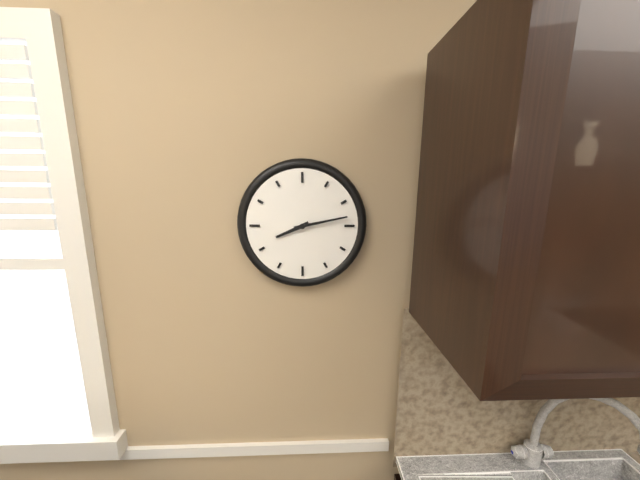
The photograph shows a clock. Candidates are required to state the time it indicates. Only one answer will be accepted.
8:13
